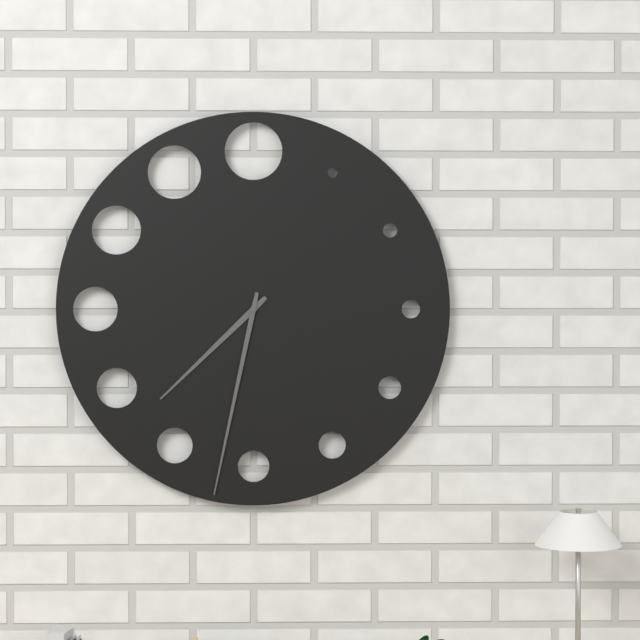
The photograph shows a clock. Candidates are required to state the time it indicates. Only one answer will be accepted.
7:32
